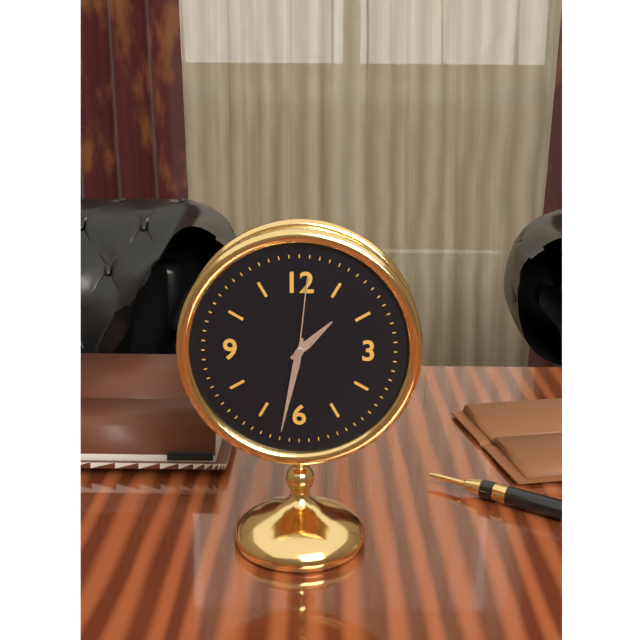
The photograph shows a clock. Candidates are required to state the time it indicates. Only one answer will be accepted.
1:32:01
